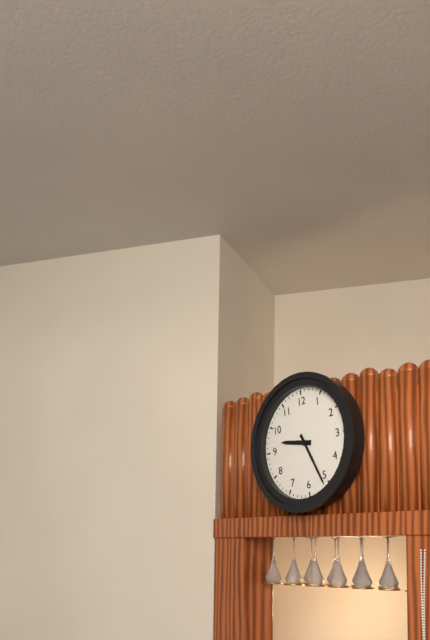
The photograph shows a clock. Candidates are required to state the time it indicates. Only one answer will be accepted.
9:26
